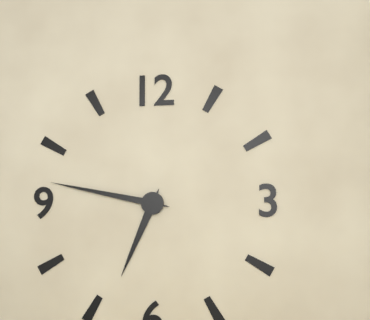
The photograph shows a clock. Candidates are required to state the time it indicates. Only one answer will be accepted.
6:47
